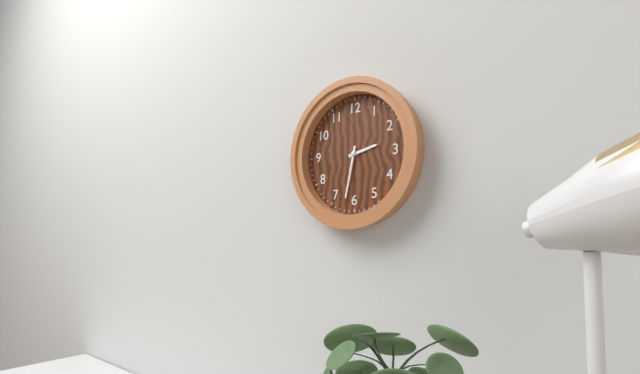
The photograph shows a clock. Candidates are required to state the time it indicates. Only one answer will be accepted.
2:32
